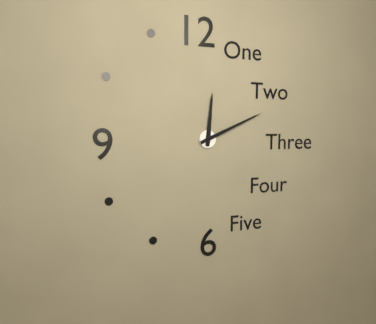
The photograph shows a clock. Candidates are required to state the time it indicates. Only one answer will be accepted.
12:11
